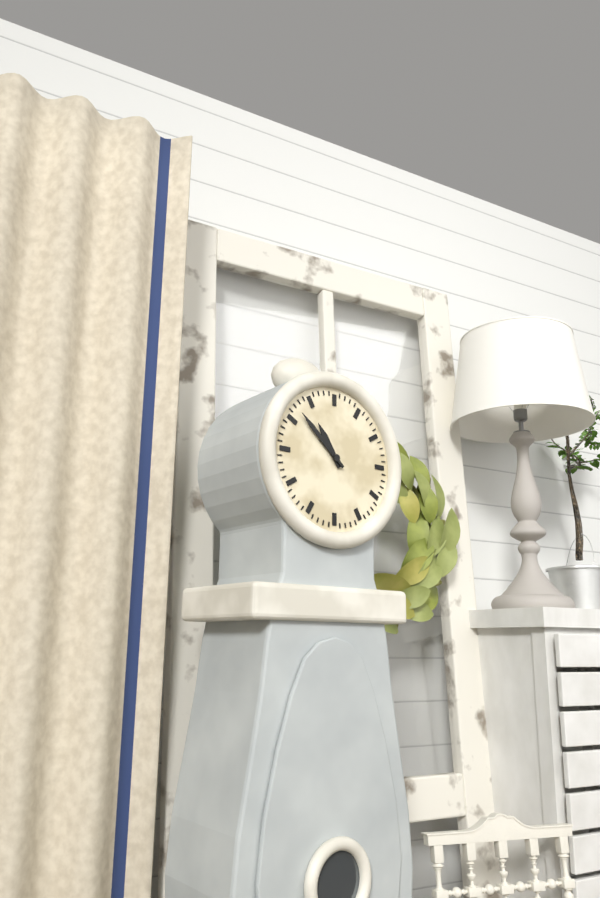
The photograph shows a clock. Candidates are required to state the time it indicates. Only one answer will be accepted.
10:52
